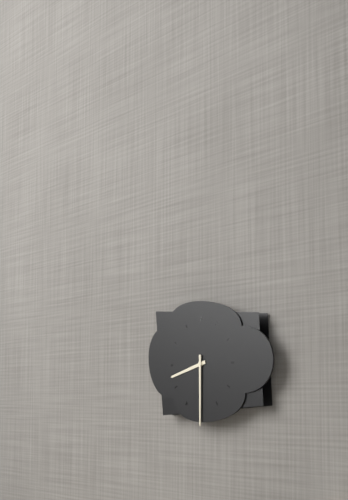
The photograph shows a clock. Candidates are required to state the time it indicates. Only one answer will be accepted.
8:30
